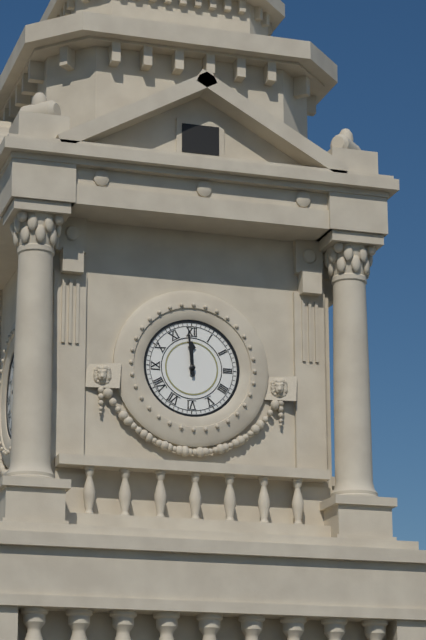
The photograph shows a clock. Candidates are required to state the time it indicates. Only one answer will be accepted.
11:59
